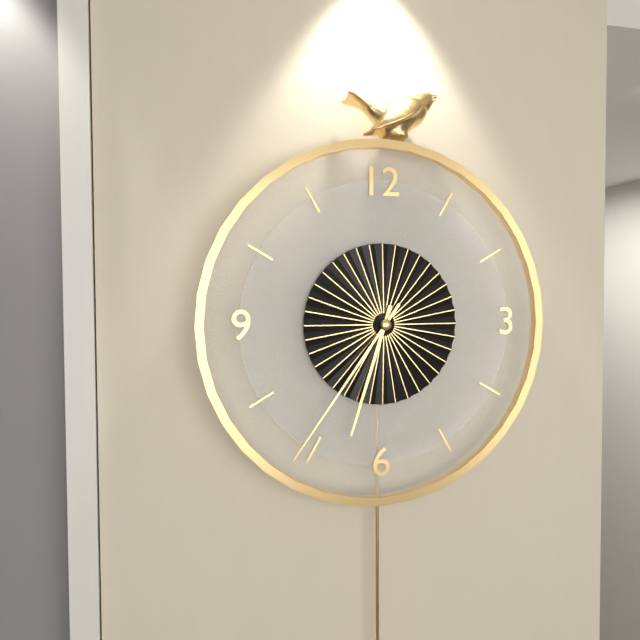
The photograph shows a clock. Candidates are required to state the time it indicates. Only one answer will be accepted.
6:36
